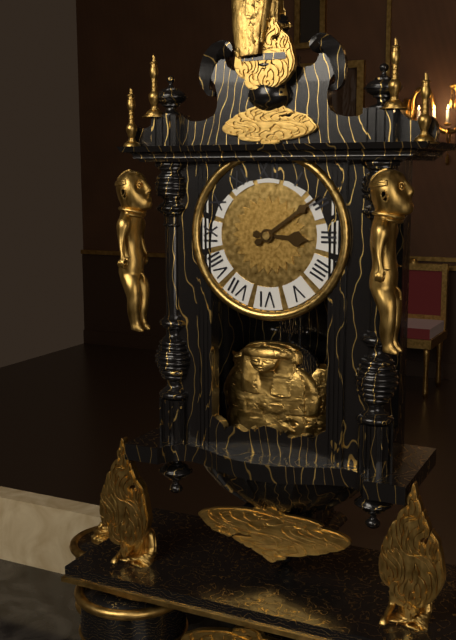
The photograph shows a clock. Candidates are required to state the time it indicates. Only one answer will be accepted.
3:09
